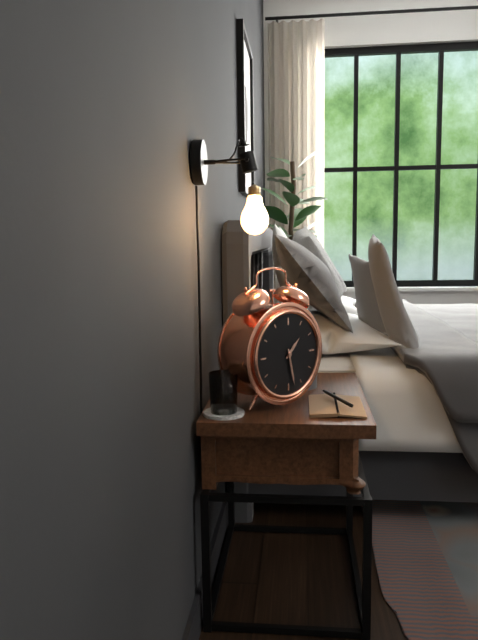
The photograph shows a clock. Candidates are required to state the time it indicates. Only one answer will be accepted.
1:28
